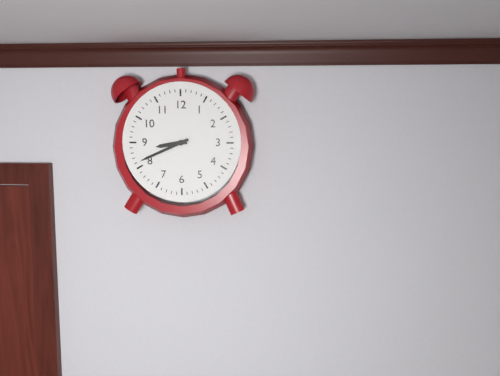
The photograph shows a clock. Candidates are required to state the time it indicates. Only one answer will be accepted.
8:41
